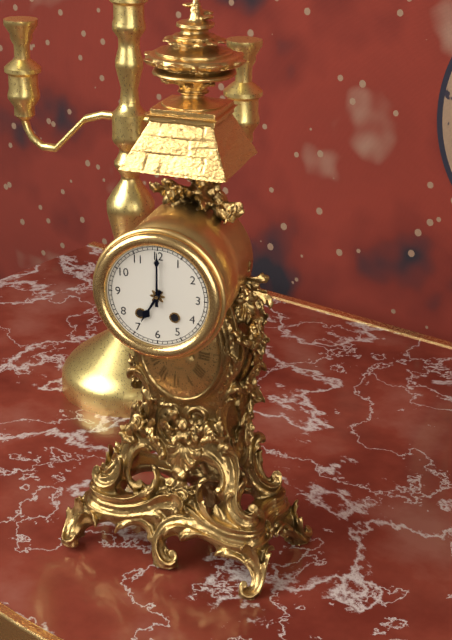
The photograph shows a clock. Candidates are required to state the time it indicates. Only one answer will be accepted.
7:00
